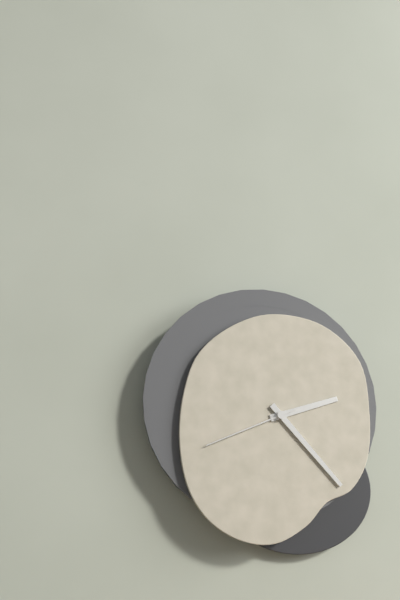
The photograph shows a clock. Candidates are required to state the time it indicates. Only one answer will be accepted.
2:23:41
